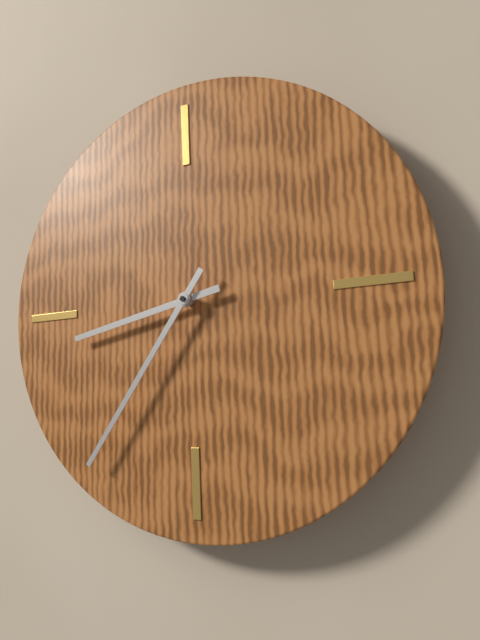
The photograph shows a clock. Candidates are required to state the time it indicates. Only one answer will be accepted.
8:36
